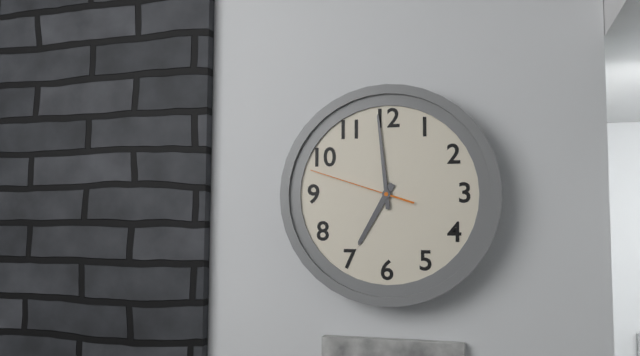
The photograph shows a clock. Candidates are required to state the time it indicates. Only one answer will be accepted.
6:59:48
